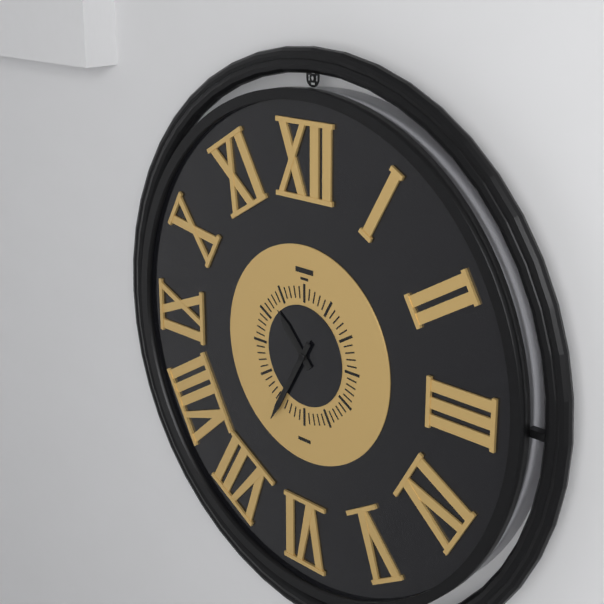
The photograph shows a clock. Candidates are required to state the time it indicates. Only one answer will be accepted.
10:35
